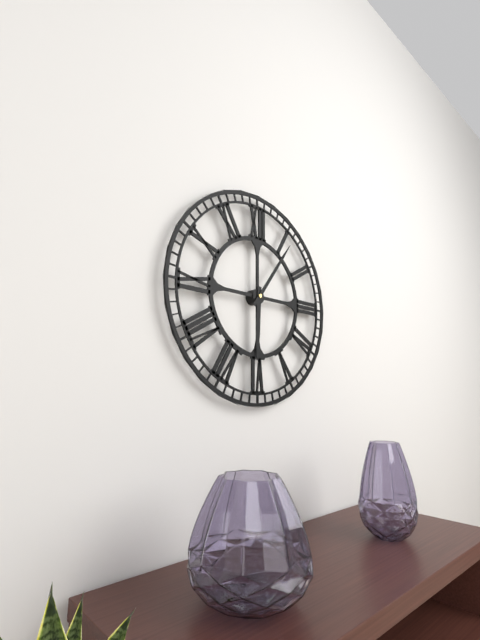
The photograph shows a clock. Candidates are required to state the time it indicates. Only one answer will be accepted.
6:06
